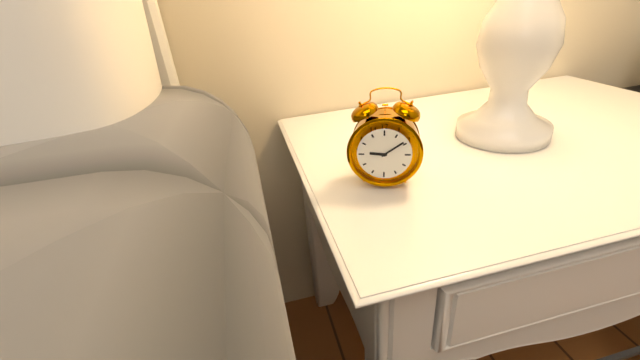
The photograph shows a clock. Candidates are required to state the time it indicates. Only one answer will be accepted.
9:09
